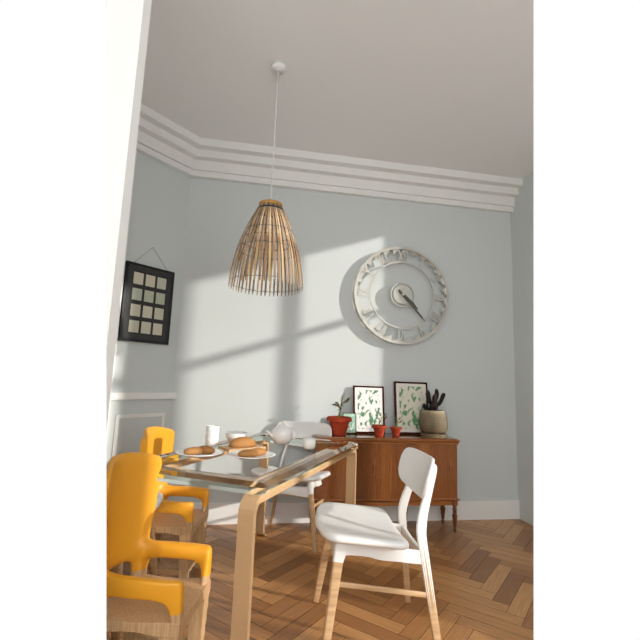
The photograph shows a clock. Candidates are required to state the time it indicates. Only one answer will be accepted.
4:23
